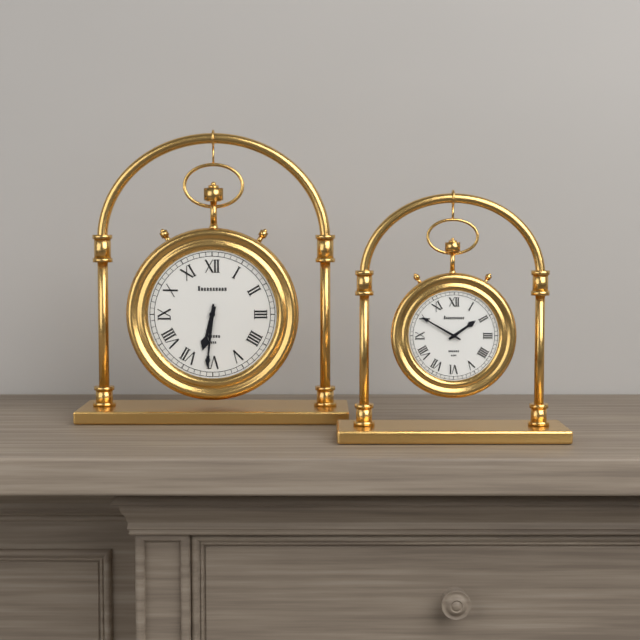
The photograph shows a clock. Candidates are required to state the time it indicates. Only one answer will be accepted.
6:31
